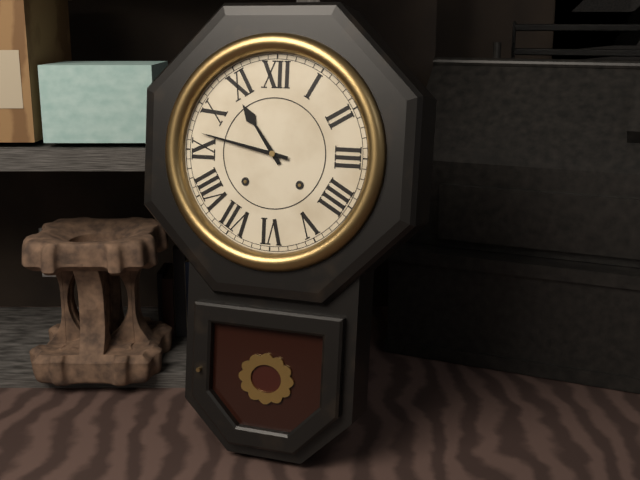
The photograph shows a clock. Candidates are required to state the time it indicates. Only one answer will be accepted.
10:47
